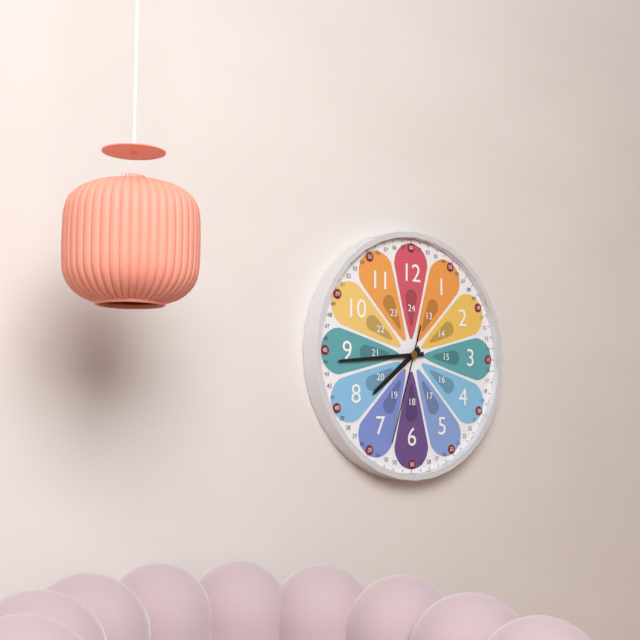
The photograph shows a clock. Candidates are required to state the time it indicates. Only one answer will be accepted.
7:44:33
